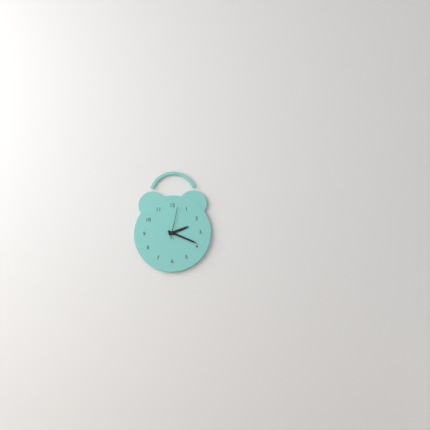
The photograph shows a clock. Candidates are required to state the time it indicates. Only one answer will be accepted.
2:19
